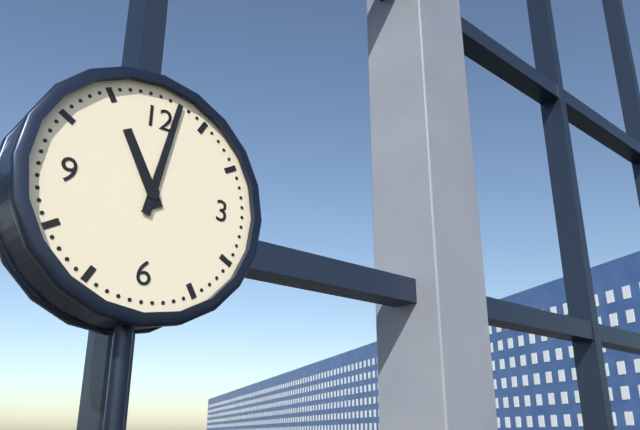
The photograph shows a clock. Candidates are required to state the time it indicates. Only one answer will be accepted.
11:02
